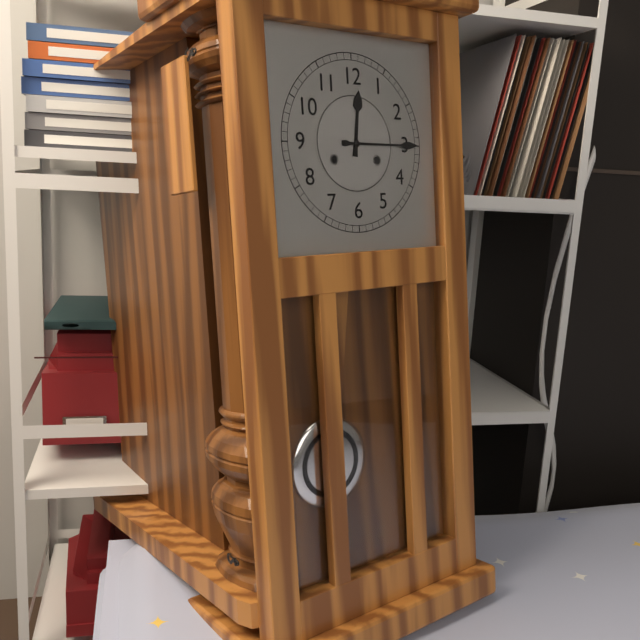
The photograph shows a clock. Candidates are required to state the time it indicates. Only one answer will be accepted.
12:15
